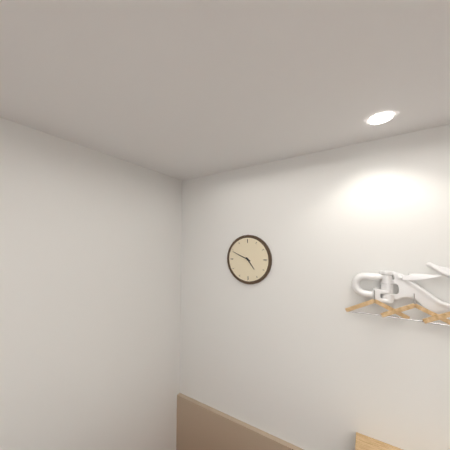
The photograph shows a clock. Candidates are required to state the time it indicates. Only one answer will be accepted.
4:49
